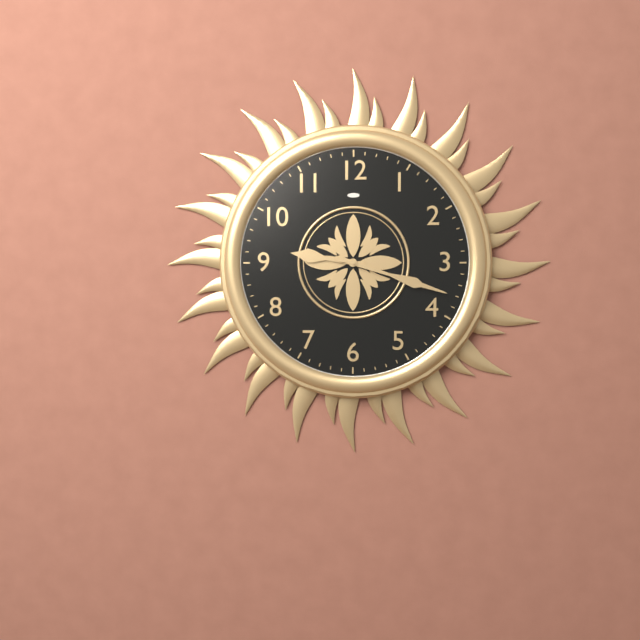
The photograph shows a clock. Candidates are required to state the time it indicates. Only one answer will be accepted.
9:18
